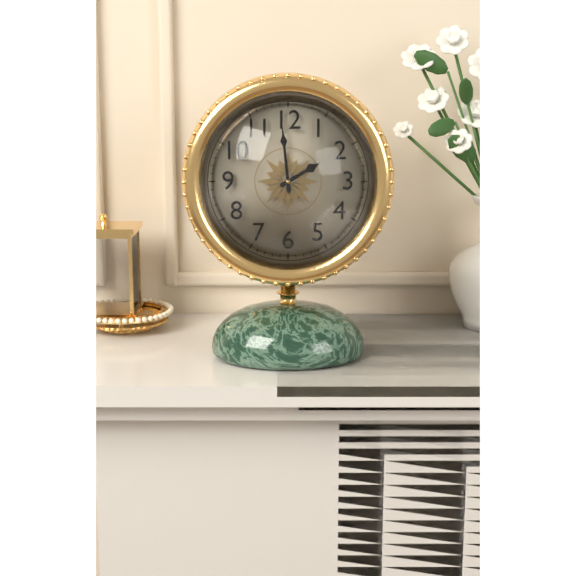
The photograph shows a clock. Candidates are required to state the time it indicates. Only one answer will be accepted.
1:59
